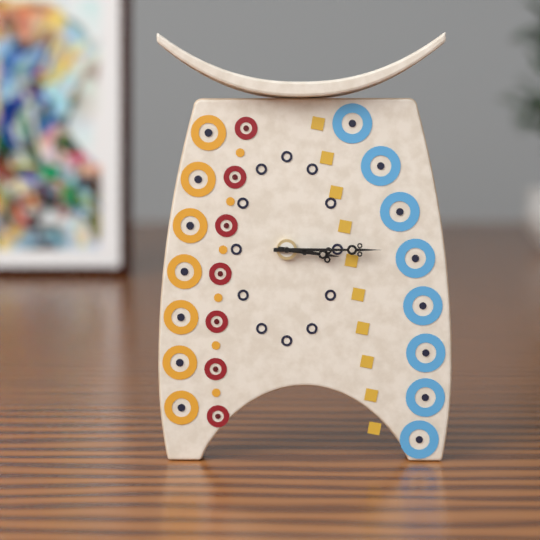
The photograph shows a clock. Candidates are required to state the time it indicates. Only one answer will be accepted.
3:15
